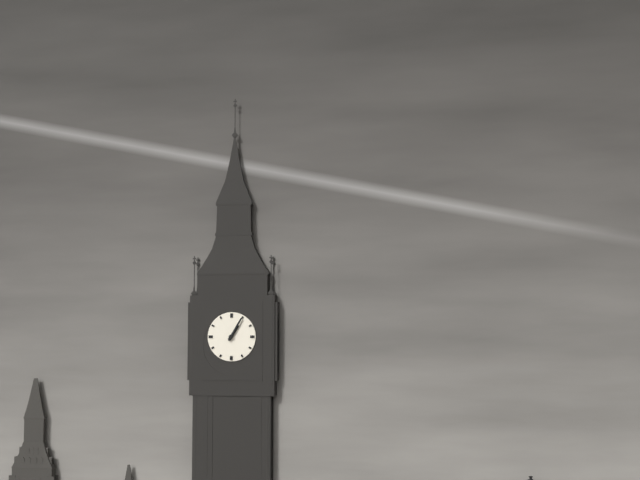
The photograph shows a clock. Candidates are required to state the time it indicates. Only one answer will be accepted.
1:05
